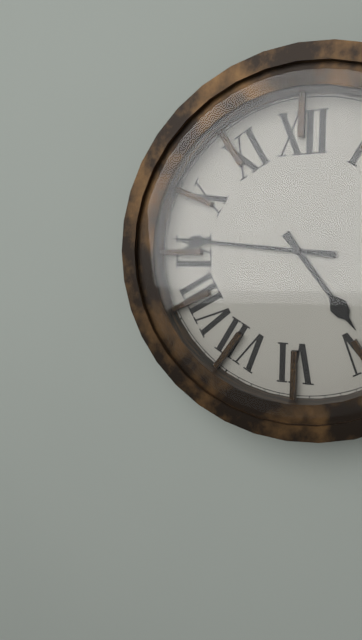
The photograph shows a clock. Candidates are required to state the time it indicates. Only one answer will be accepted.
4:46
